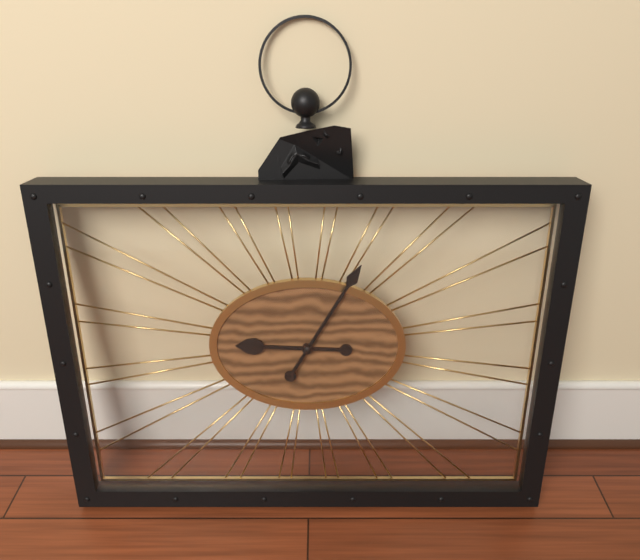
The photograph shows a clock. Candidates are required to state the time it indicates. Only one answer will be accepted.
9:05
